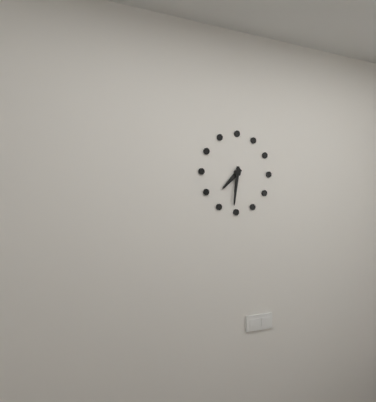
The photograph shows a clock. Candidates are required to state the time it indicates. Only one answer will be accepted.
7:31
